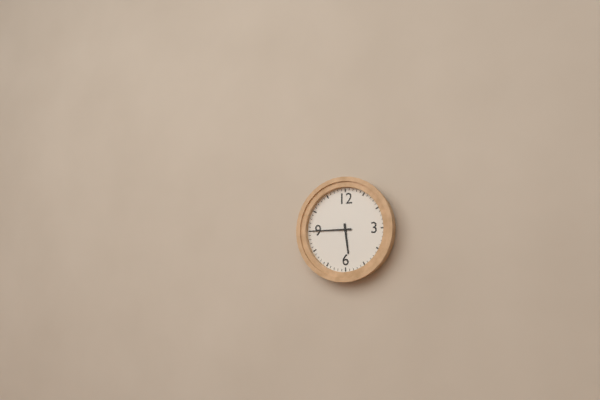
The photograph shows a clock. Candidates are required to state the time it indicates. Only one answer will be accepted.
5:45
